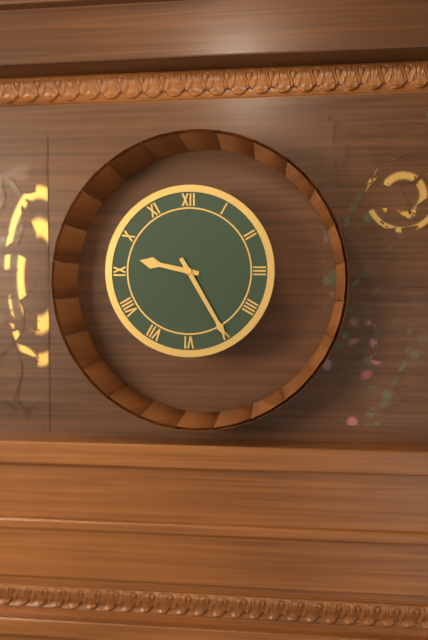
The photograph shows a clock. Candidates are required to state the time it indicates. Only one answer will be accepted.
9:25
